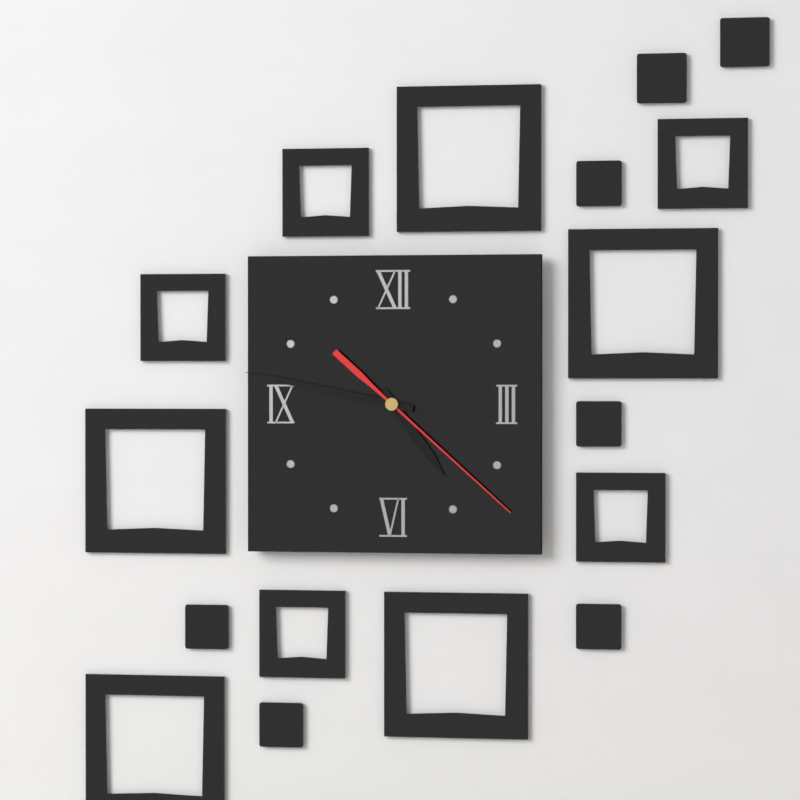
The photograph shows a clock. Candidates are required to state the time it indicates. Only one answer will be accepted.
4:47:22
